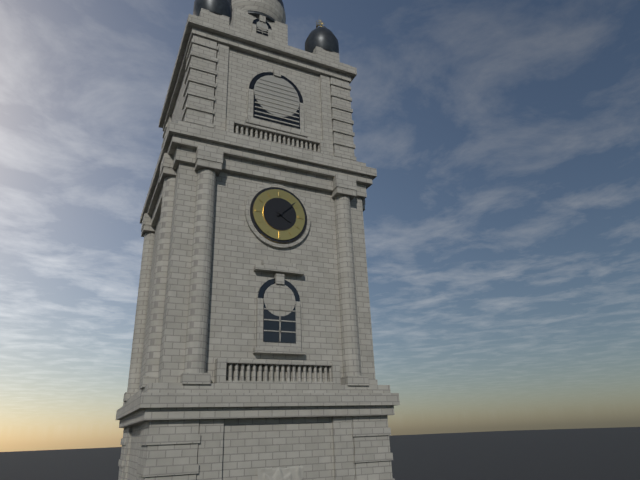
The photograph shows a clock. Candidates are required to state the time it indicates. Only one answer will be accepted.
4:08
